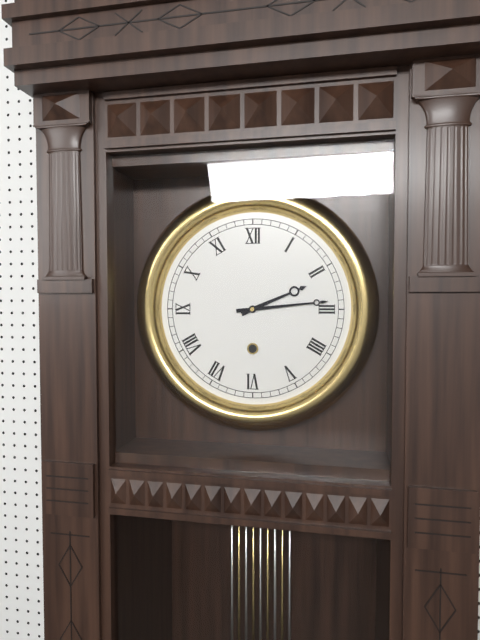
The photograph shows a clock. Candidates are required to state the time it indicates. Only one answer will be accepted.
2:14
